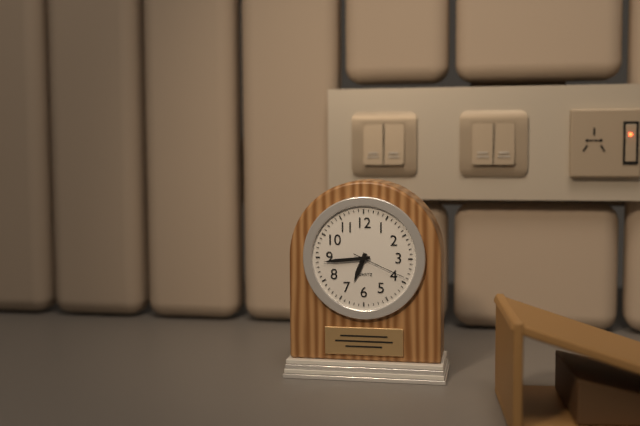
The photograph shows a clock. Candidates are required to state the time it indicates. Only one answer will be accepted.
6:44:19
